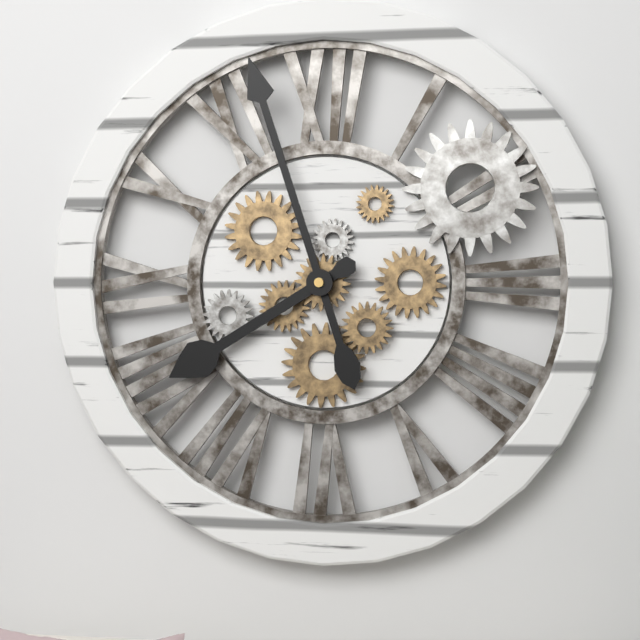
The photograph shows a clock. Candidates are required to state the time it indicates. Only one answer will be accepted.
7:57
